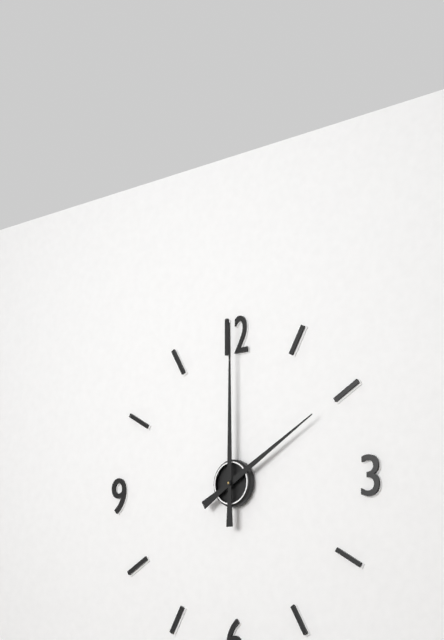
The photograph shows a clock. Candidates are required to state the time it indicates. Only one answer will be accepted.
2:00
